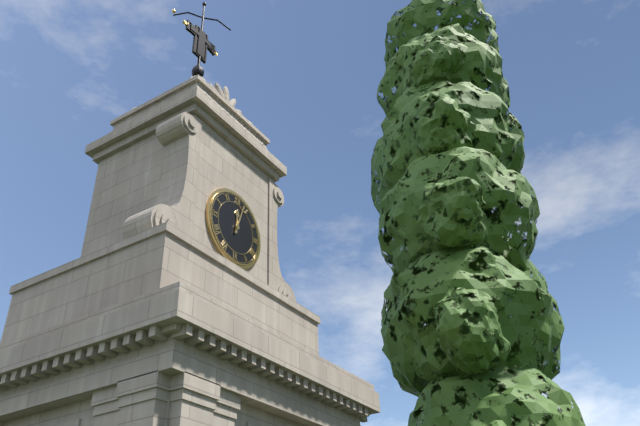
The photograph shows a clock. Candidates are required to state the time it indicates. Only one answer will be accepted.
12:03
